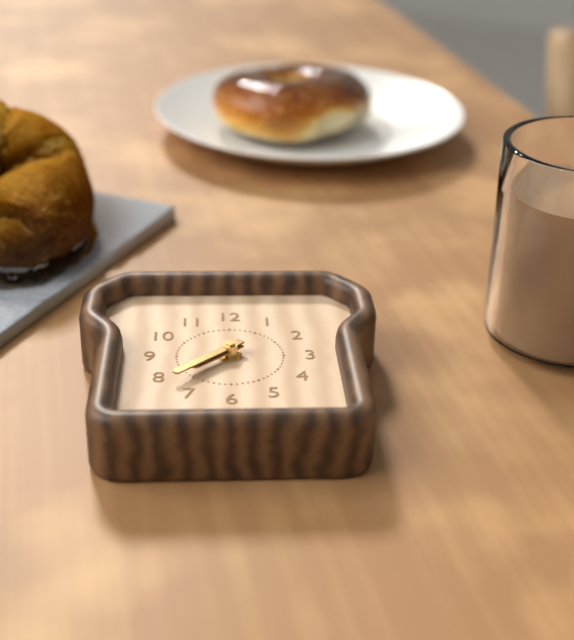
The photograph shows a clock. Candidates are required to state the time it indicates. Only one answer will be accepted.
7:38
